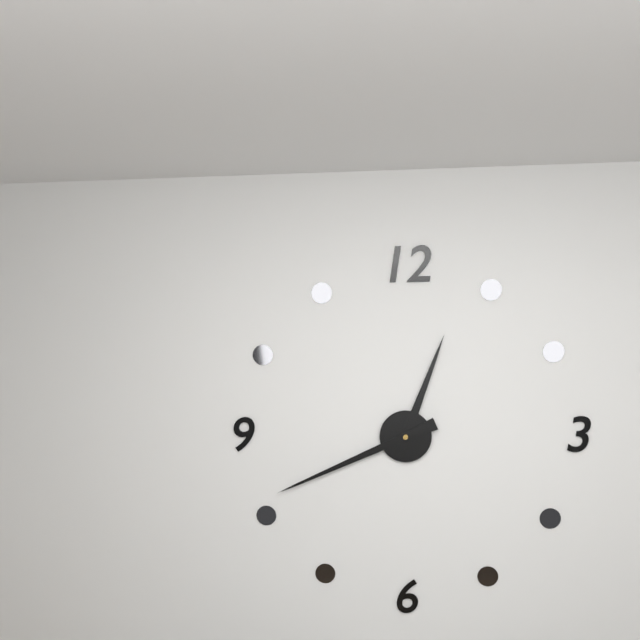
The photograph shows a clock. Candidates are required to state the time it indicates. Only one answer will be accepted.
12:41
